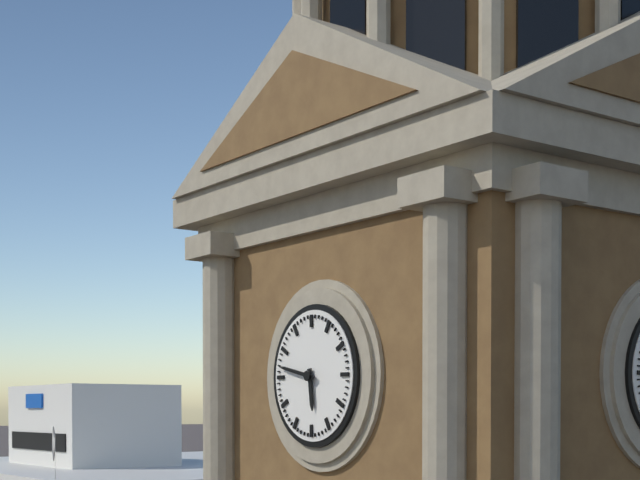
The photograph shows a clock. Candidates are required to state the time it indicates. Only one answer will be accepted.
5:47
